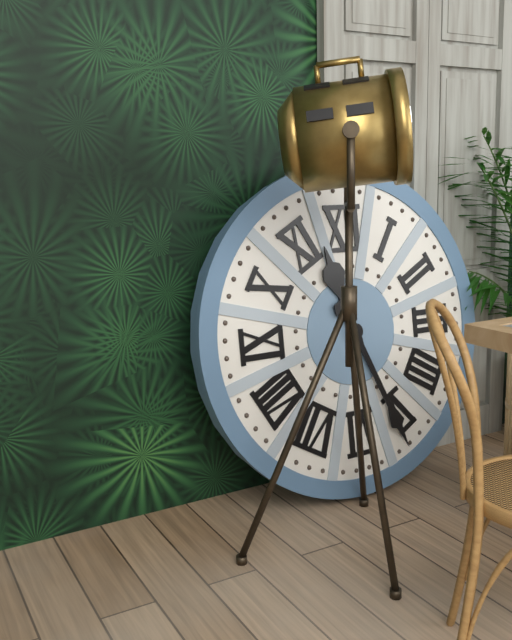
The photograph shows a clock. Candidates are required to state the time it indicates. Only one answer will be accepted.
11:26
